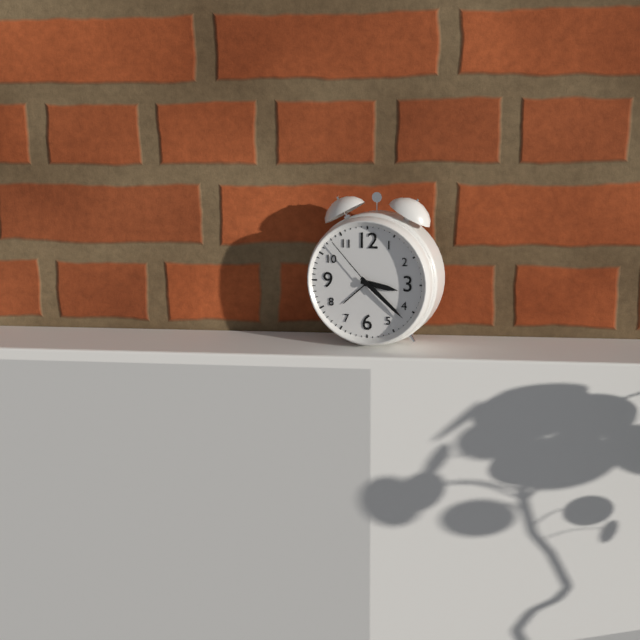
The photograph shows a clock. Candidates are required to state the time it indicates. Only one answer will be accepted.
3:22:53
